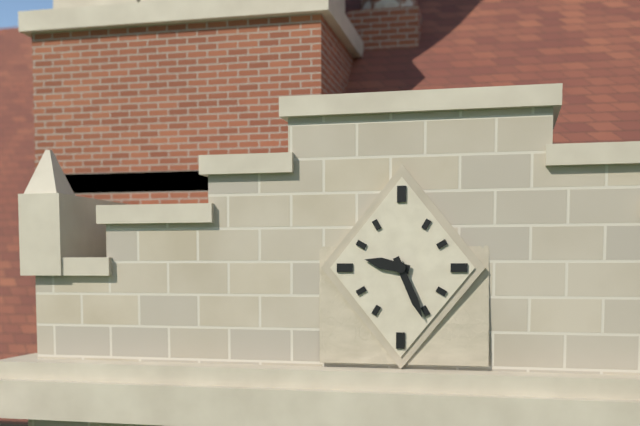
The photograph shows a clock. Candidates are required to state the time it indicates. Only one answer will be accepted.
9:26
